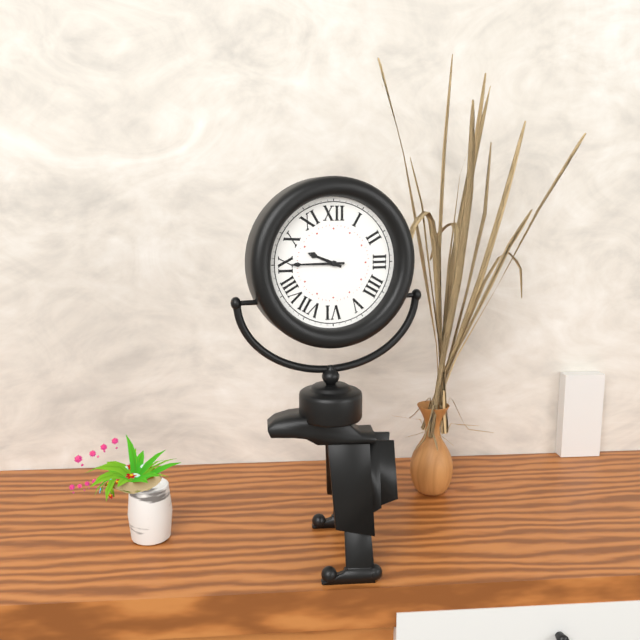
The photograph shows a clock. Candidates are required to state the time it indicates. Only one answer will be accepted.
9:45
